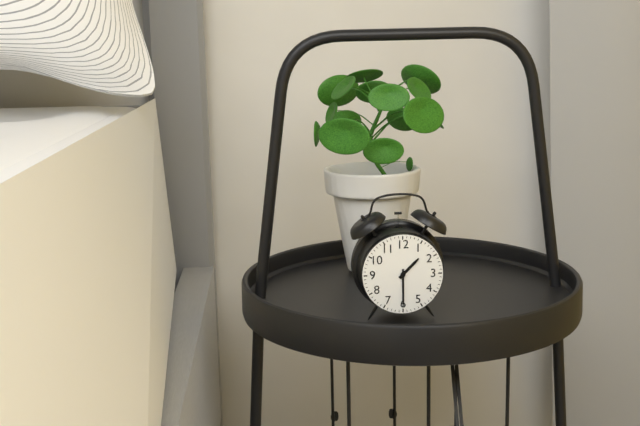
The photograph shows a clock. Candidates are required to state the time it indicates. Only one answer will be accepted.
1:30
